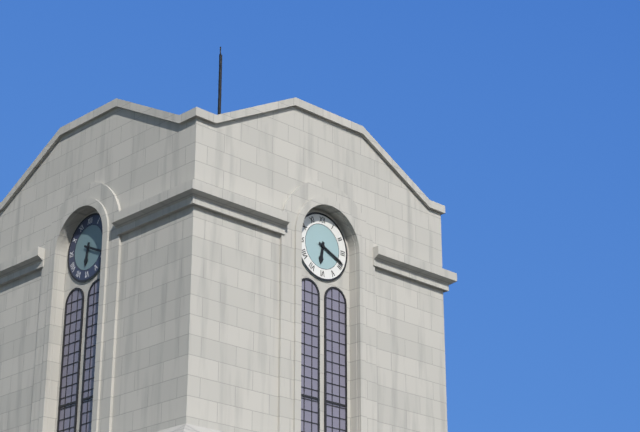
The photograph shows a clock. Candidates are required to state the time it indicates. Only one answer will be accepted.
6:19
